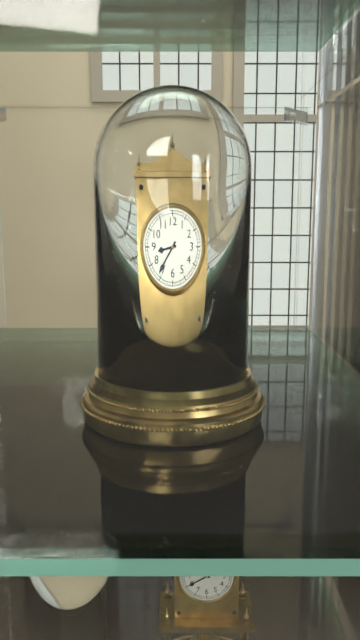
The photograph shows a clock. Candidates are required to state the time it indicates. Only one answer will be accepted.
8:36
